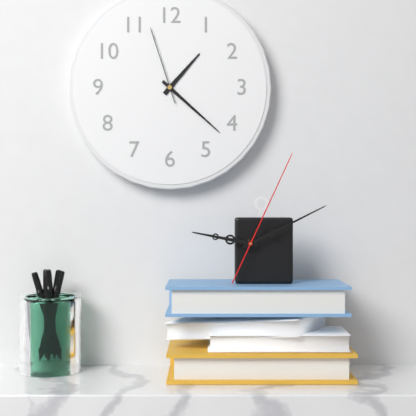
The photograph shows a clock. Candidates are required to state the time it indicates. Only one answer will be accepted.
1:22:57
